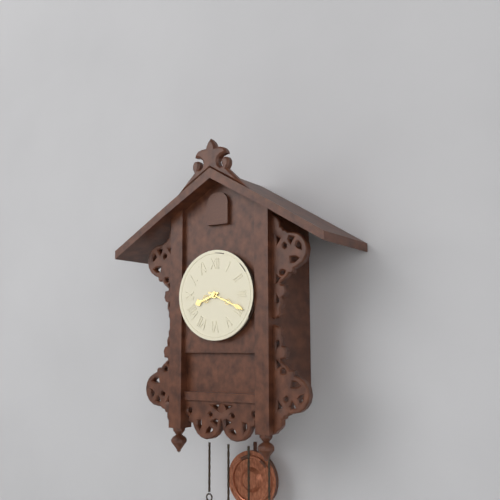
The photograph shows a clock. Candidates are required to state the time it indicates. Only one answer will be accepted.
8:19
